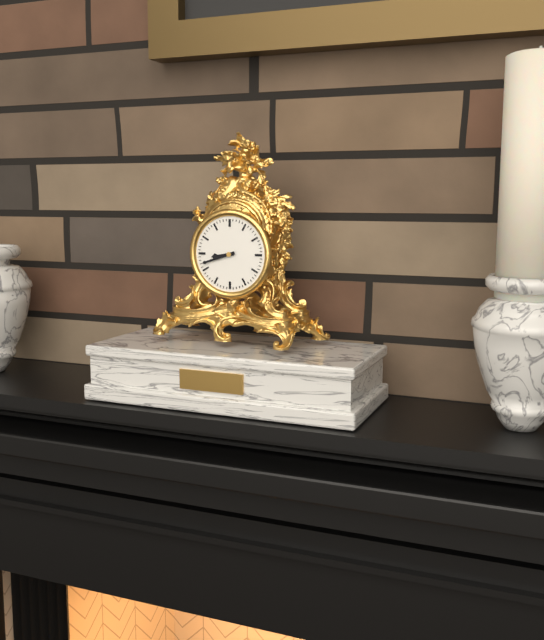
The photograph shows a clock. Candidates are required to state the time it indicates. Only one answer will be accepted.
8:42
